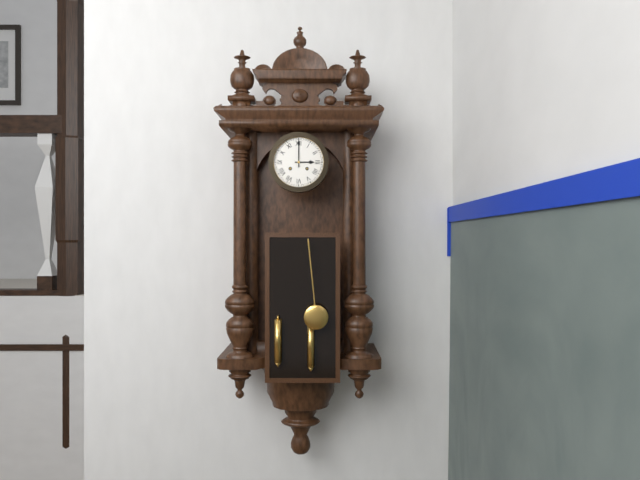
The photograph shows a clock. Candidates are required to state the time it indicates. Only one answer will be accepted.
3:00
